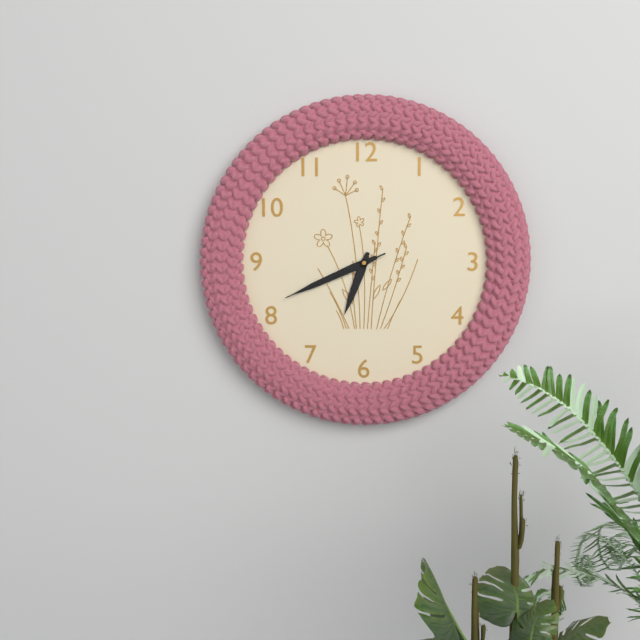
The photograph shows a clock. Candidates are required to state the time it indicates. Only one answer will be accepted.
6:41:41
